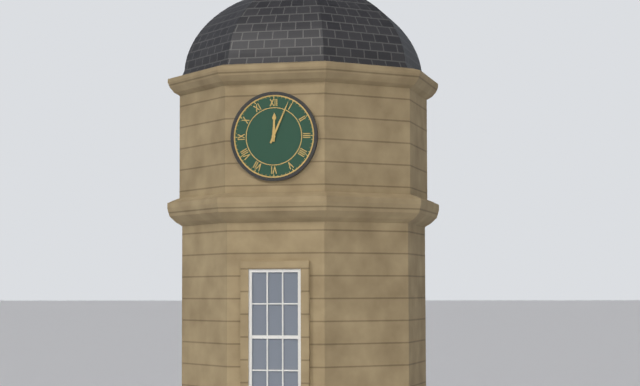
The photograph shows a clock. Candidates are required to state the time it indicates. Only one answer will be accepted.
12:04
